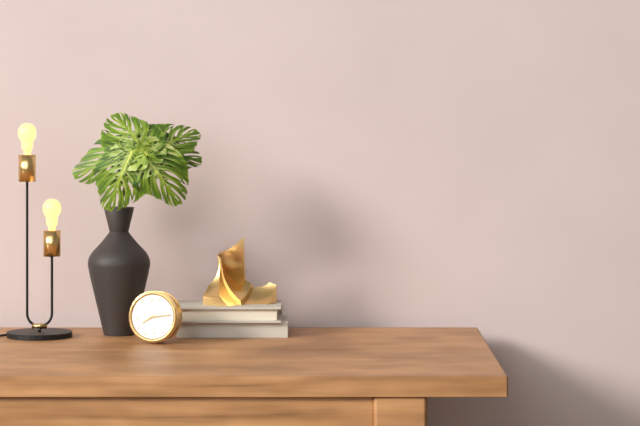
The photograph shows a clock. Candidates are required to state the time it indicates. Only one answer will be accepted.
8:15
